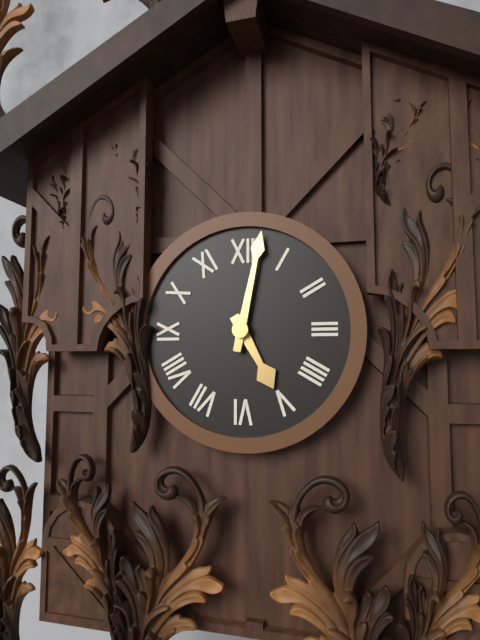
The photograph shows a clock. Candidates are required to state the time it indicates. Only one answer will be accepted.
5:02
